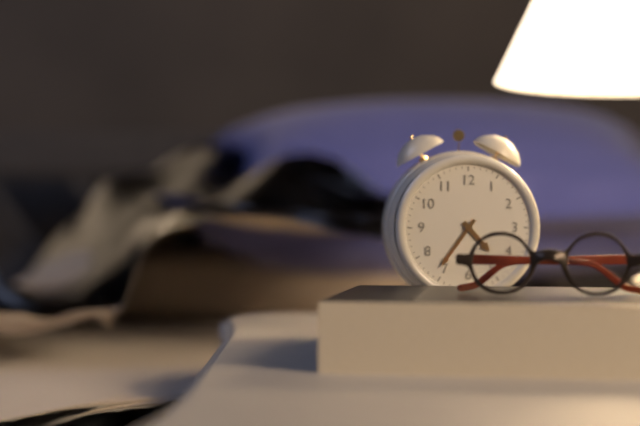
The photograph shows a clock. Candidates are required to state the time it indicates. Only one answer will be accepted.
4:36
